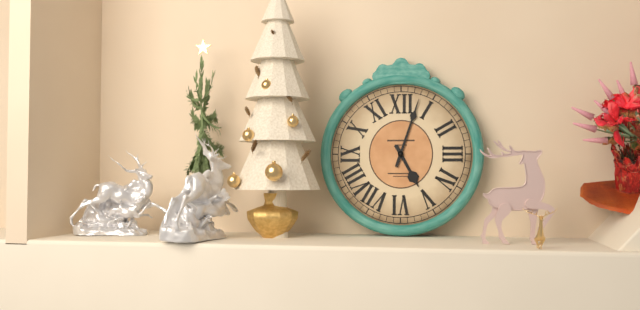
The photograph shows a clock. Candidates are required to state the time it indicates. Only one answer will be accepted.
5:03
